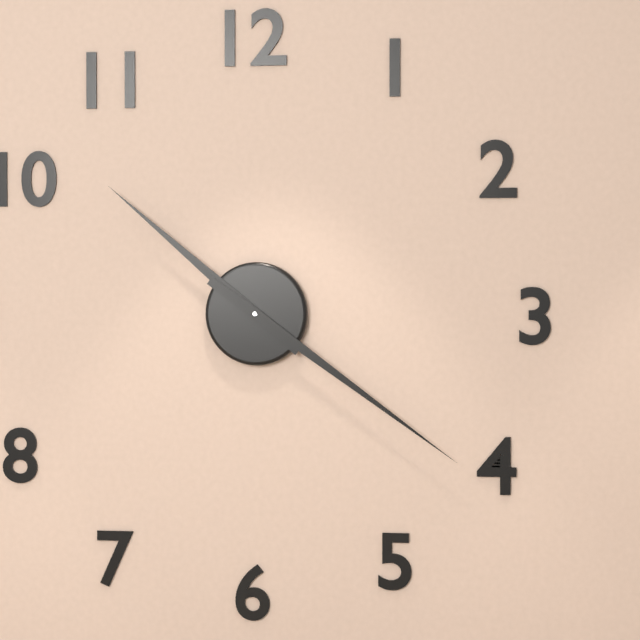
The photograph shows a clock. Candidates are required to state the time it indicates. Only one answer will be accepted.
10:21
